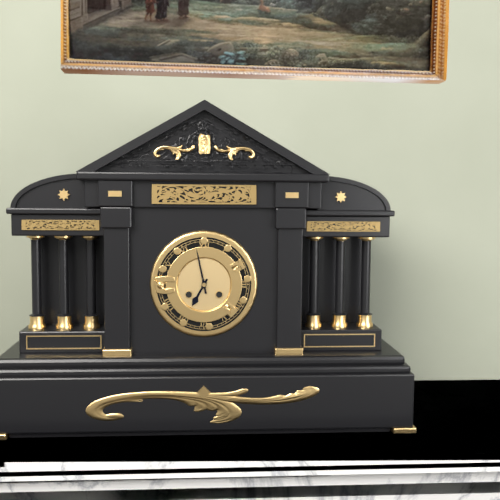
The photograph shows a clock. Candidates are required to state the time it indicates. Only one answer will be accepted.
6:58
